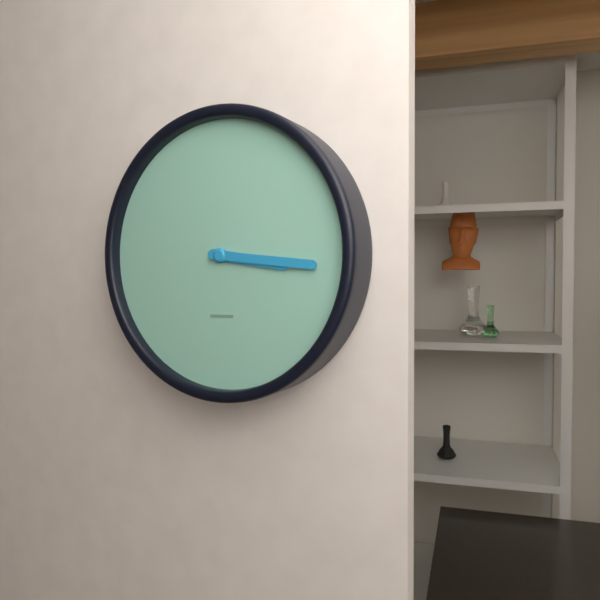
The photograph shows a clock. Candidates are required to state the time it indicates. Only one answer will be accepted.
3:16
